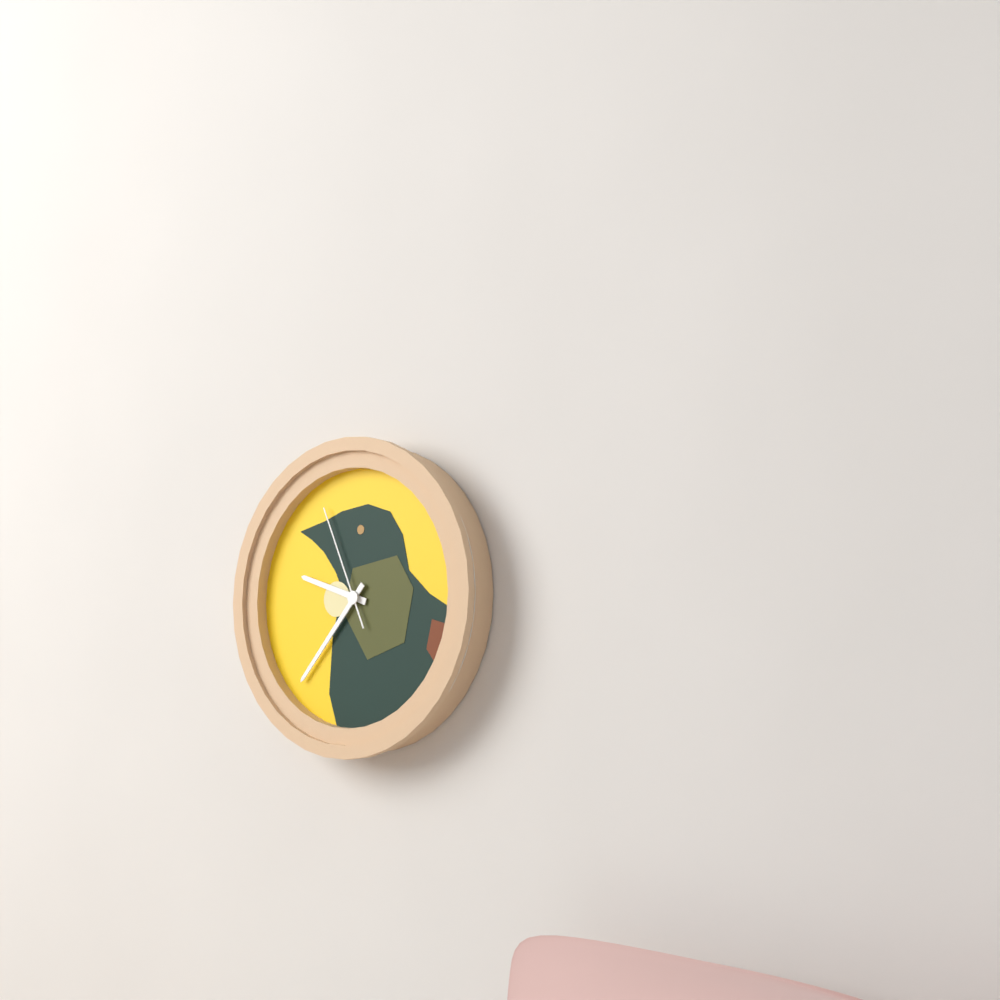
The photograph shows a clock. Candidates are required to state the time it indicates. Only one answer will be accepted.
9:37:56
